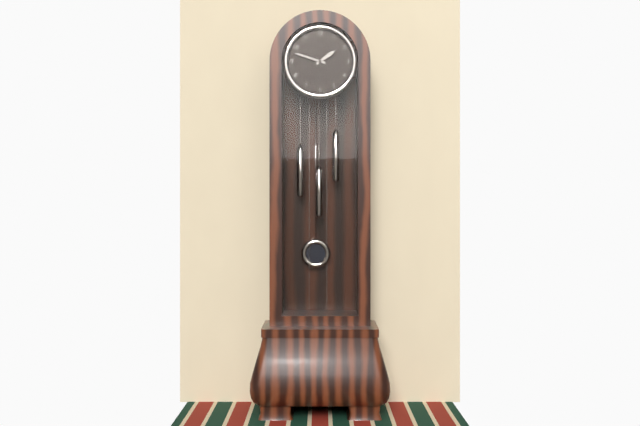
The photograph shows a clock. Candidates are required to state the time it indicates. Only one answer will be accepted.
1:48
